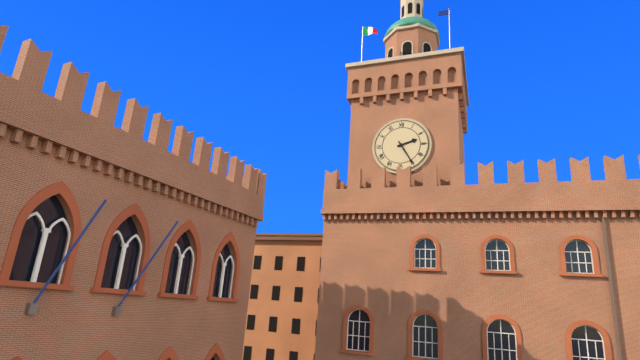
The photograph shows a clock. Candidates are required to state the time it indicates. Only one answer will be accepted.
2:25
